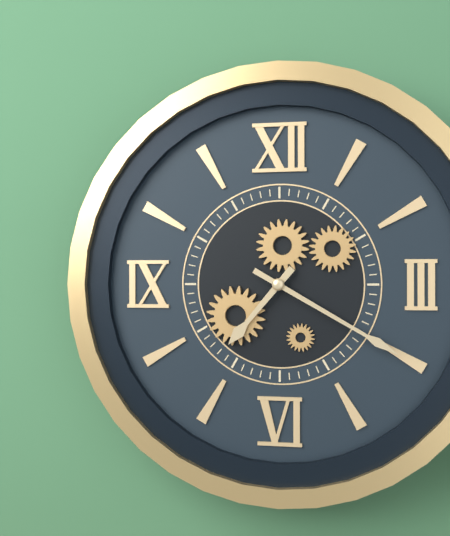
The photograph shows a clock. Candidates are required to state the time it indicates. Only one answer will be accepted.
7:20
